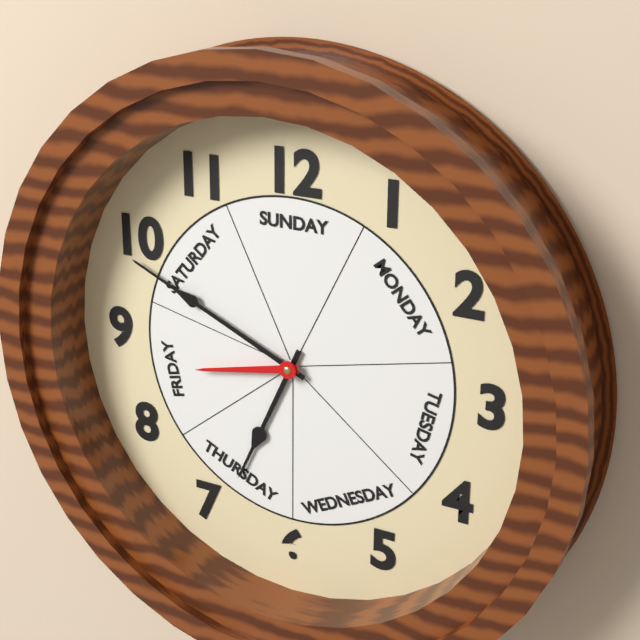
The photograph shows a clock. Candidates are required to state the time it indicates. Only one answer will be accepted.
6:49:43
